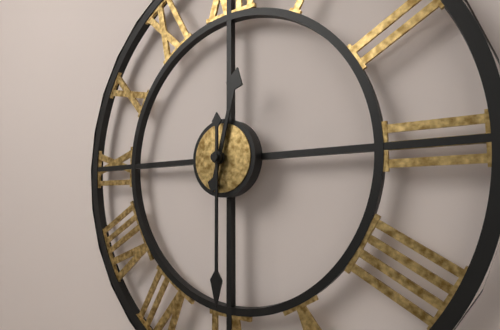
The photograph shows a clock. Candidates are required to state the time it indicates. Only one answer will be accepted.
12:30
